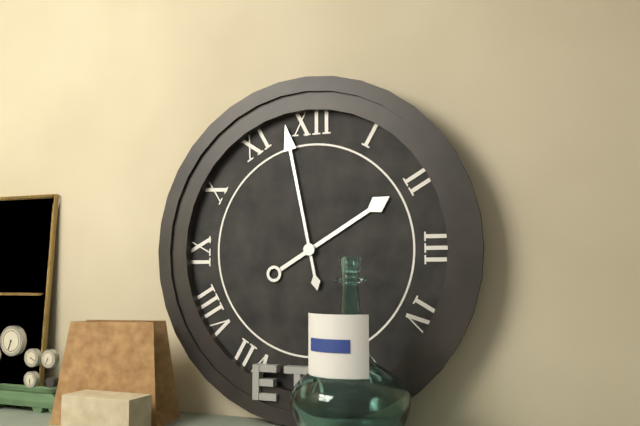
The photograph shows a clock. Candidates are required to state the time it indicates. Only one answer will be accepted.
1:58
